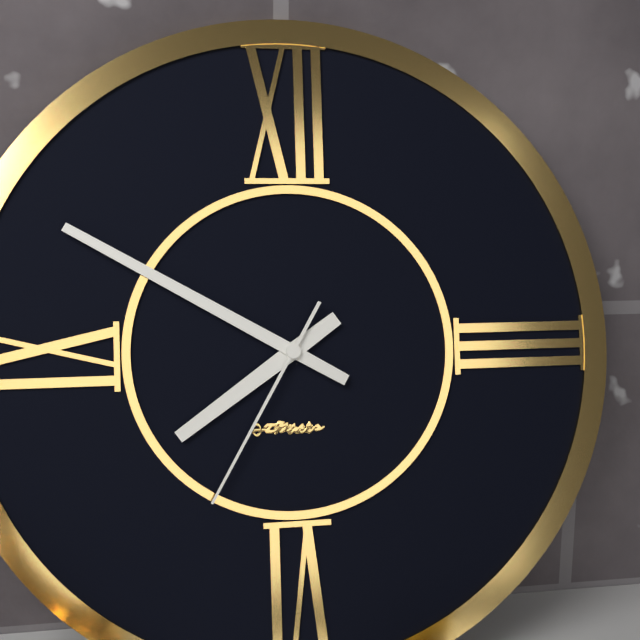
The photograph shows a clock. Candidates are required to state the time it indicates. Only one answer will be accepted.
7:50:35
